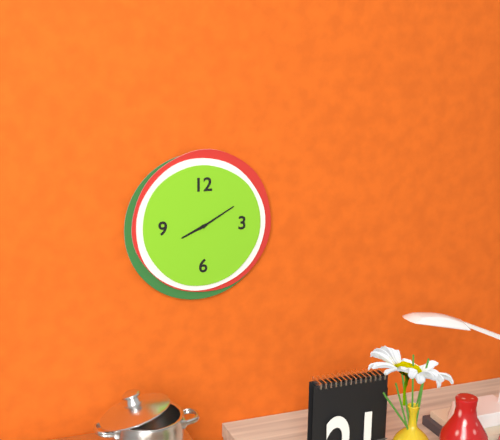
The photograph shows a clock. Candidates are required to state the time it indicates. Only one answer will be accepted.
8:10
